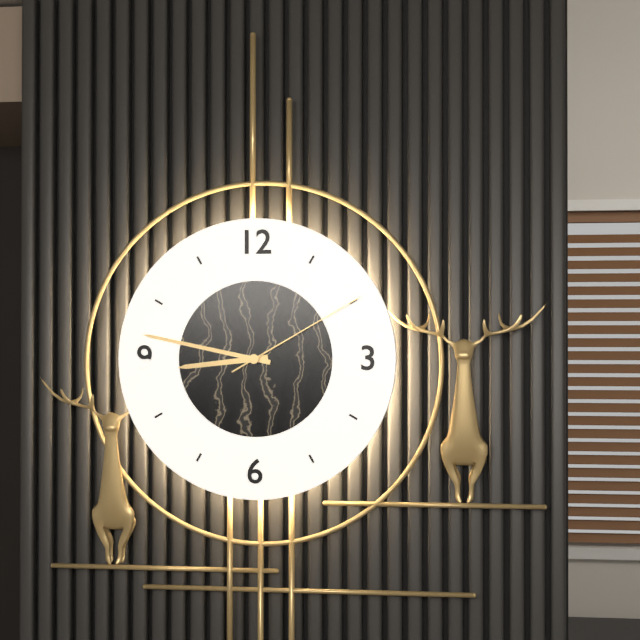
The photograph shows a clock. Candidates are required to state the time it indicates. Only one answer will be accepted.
8:47:10
